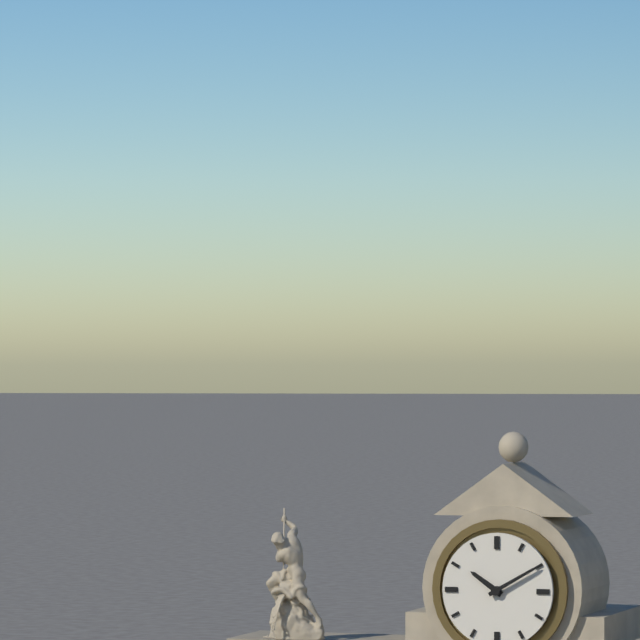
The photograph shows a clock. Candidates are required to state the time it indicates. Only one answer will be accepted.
10:10
